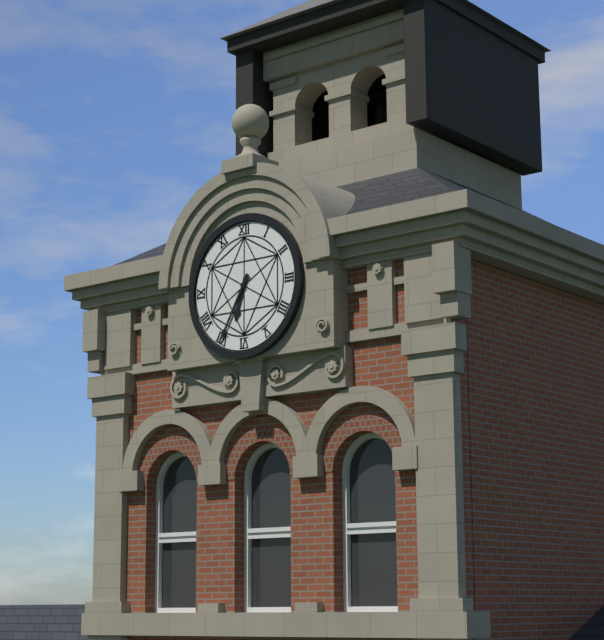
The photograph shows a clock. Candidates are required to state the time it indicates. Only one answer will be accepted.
6:35
